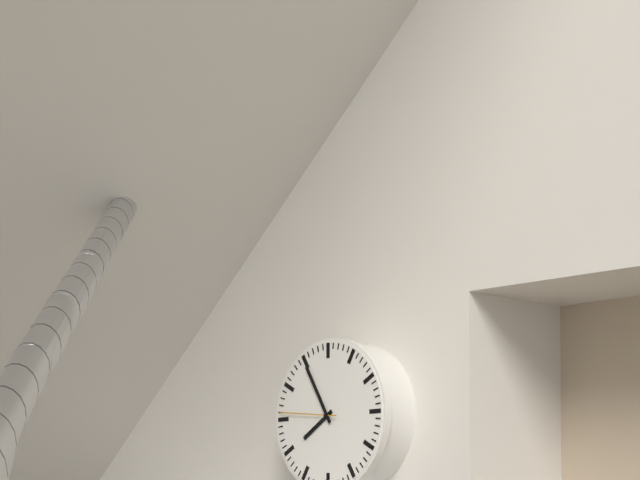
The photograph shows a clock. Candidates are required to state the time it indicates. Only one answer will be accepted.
7:55:46
